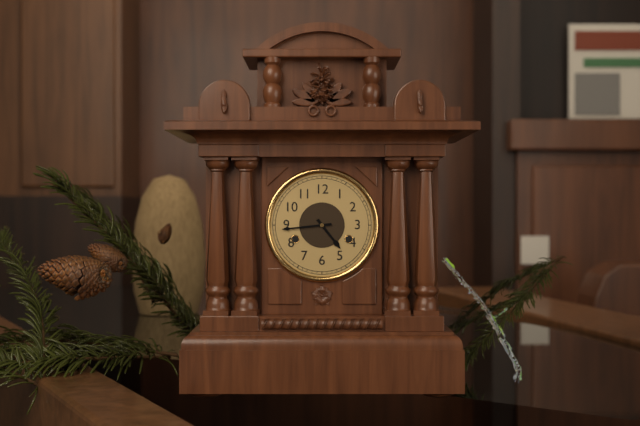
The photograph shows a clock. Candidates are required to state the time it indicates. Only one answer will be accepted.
4:44
